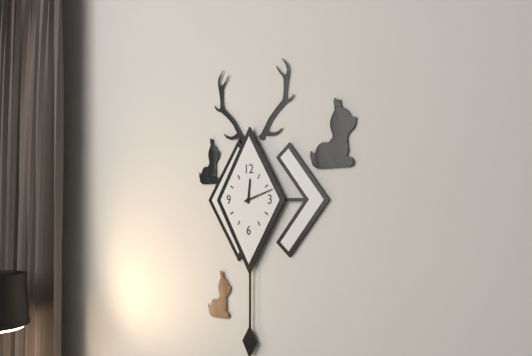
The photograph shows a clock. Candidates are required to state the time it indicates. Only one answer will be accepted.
12:12
